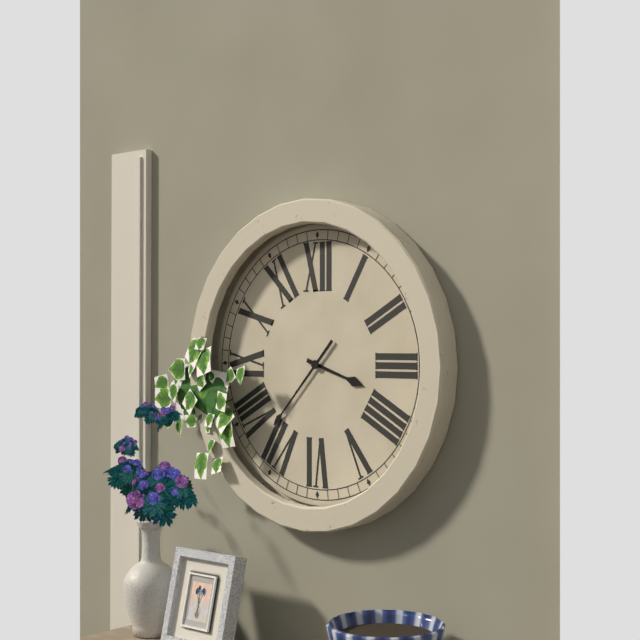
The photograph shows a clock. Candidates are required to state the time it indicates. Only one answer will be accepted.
3:37
